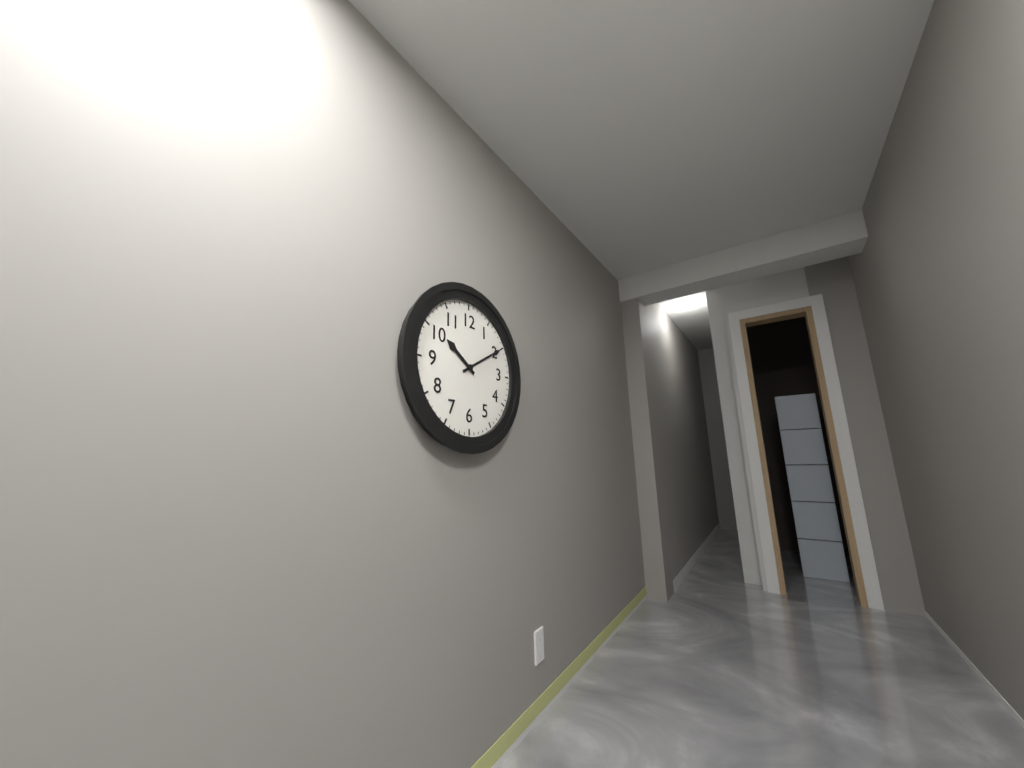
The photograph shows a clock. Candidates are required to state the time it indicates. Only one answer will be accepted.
10:10
